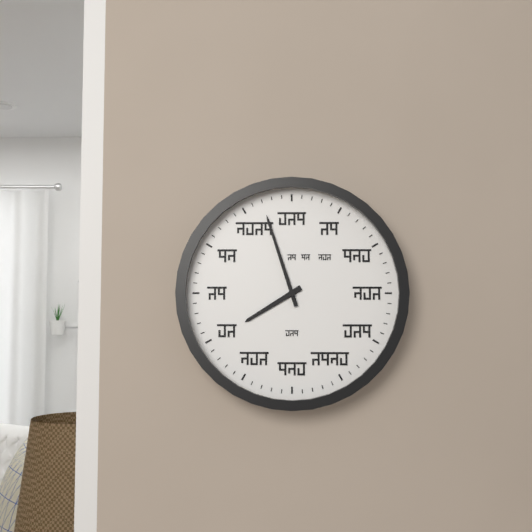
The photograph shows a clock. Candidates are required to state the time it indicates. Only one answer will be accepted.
7:57
